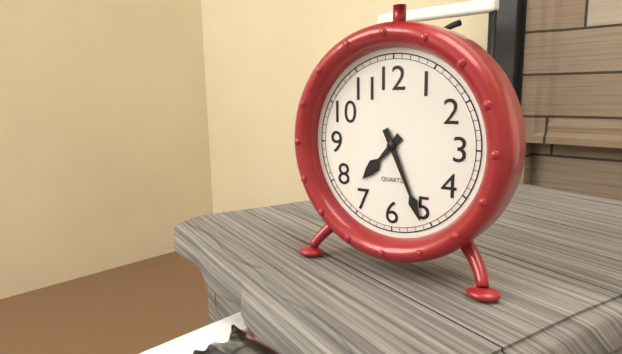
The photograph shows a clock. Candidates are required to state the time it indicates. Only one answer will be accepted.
7:26
